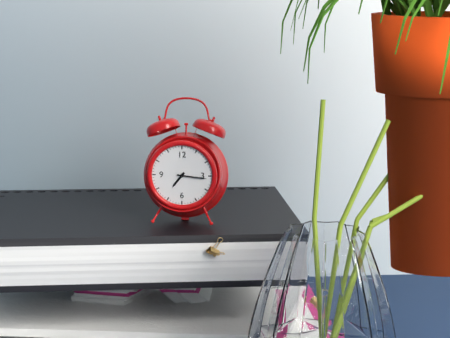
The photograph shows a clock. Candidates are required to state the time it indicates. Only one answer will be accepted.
7:16
